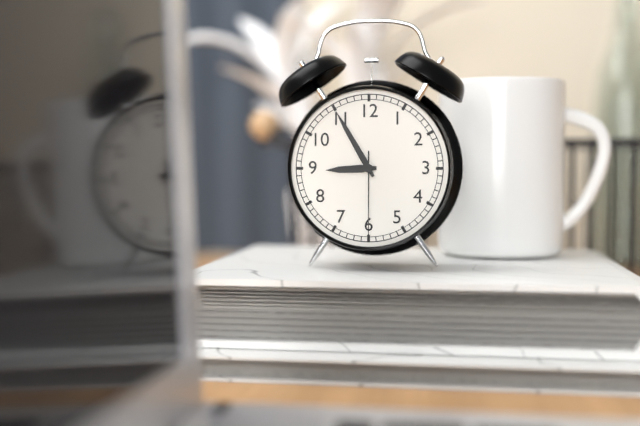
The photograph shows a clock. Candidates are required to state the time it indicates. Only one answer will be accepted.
8:55:30
